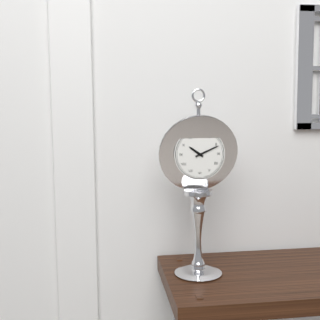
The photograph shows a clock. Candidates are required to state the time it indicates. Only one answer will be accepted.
10:11
